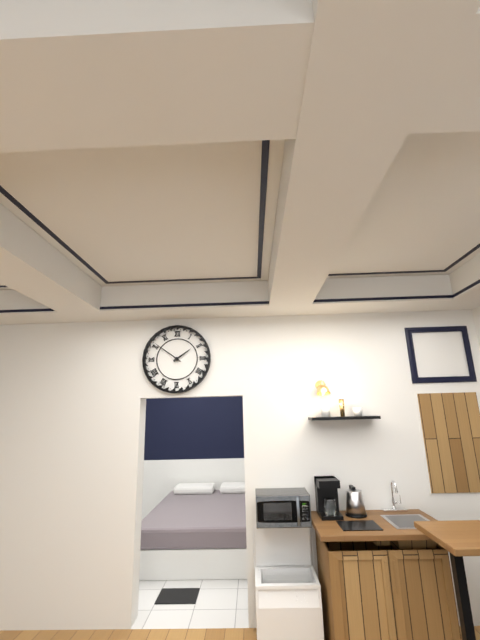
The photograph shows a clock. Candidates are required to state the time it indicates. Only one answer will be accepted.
1:51
